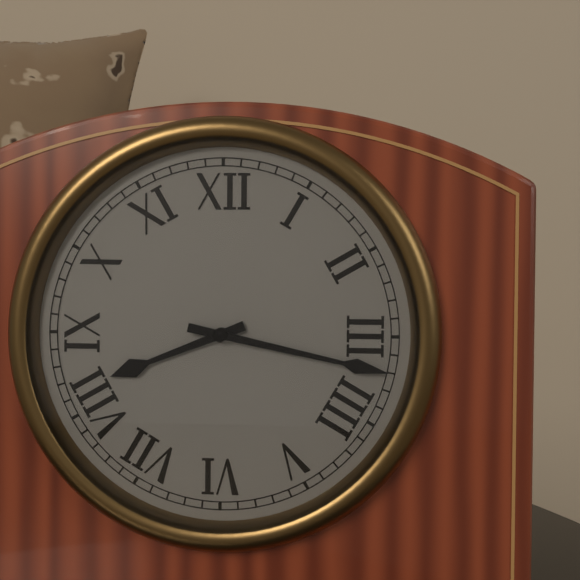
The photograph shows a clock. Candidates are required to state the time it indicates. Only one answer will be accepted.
8:17
